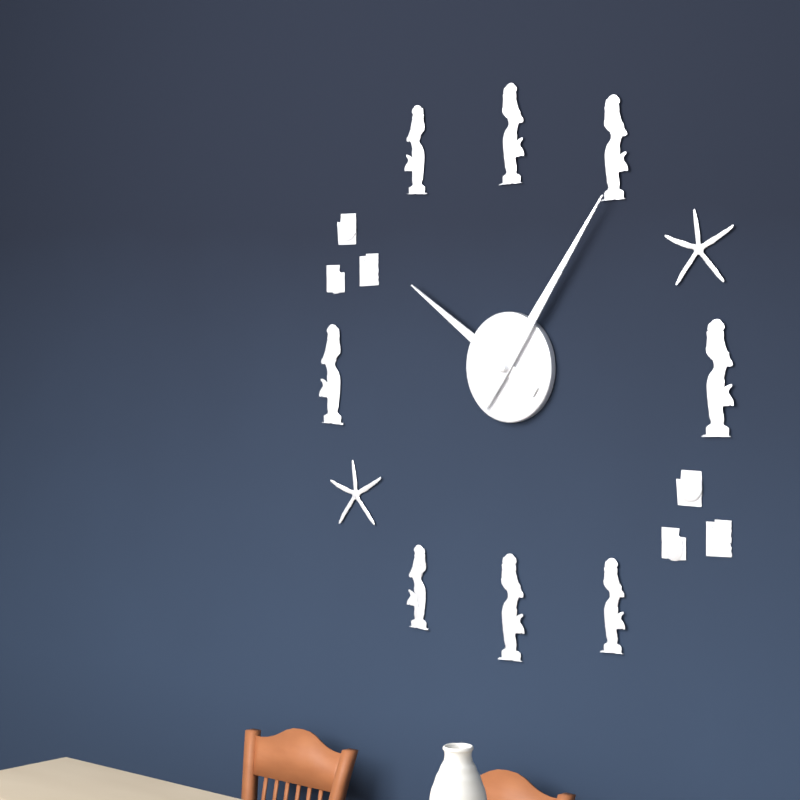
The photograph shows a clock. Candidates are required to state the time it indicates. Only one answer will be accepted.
10:06
